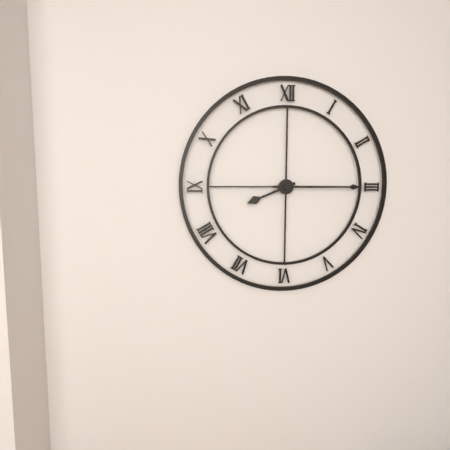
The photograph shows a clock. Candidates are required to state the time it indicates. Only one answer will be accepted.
8:15
